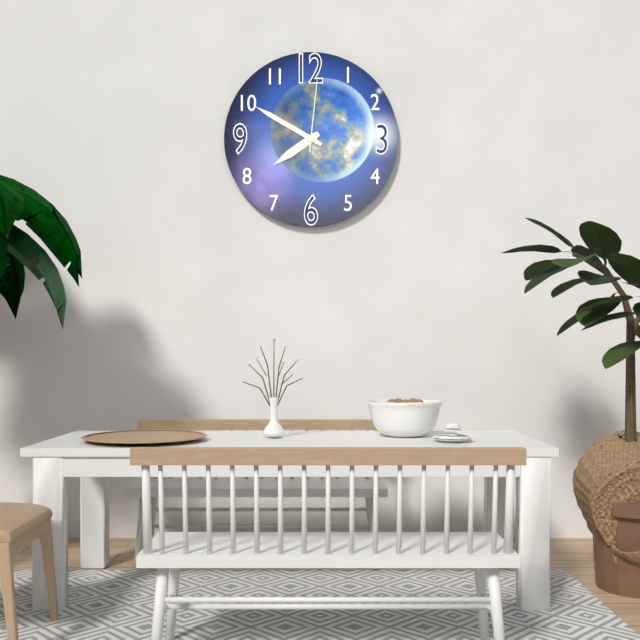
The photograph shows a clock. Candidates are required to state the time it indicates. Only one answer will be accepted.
7:50:01
